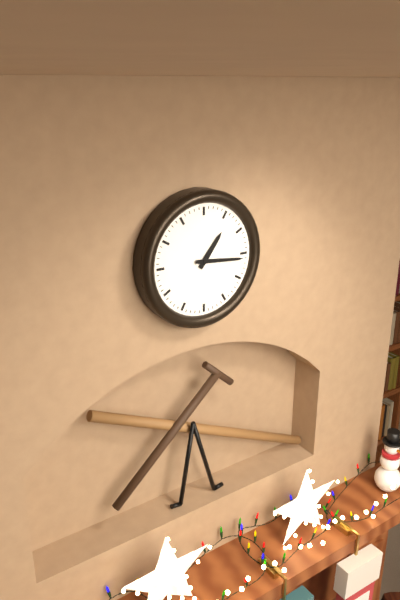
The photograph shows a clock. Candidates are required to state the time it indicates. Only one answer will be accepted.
1:16
